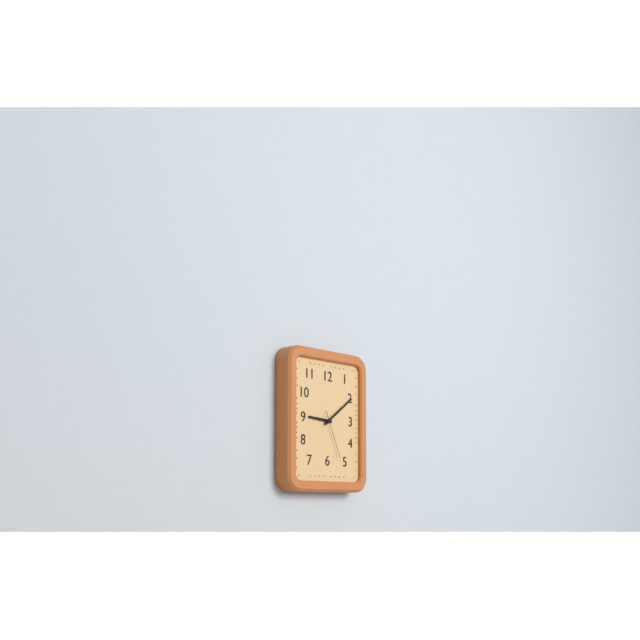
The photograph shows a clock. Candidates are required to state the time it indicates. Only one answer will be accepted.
9:09
